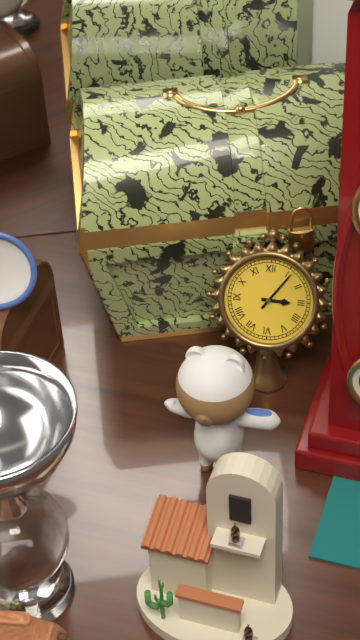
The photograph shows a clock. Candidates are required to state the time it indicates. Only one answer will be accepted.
3:06
